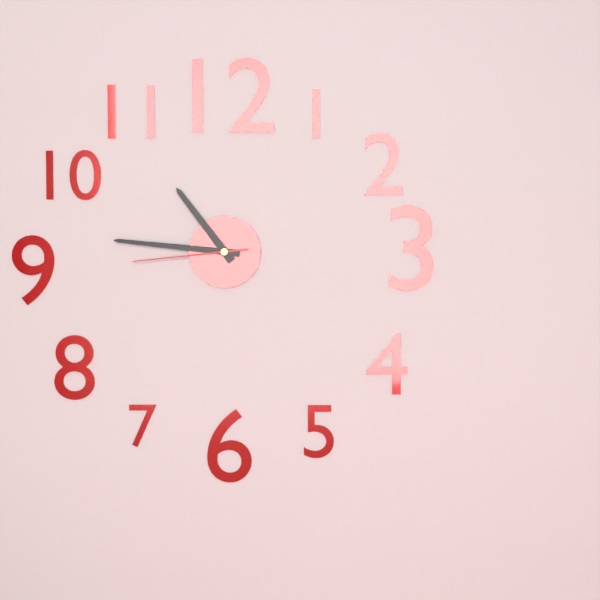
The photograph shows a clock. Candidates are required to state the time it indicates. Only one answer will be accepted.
10:46:44
